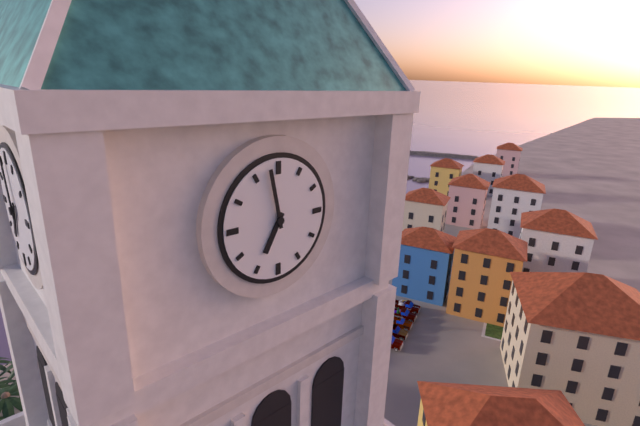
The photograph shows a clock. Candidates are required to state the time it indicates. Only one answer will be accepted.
6:58
